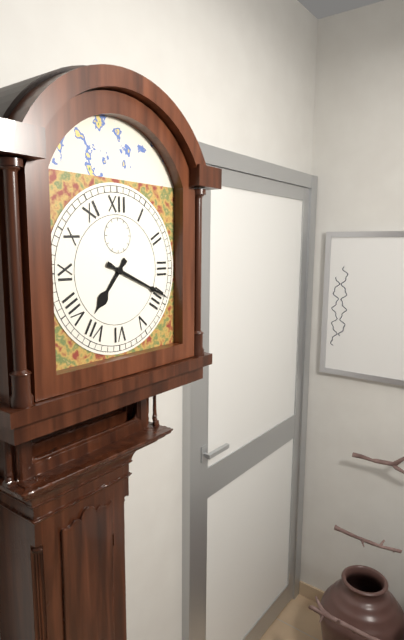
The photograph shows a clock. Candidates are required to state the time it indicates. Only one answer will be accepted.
7:19
